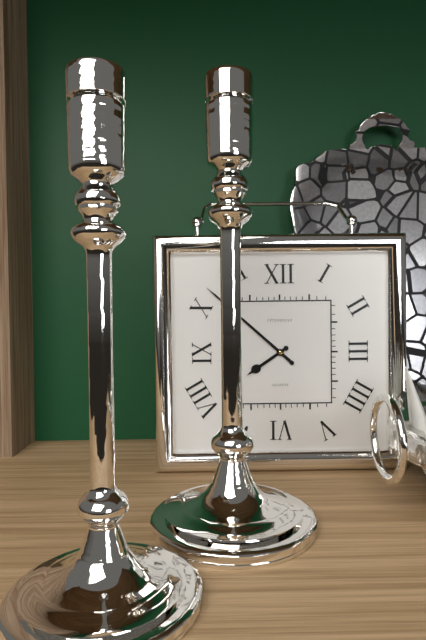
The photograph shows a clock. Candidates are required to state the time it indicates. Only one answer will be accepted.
7:52
